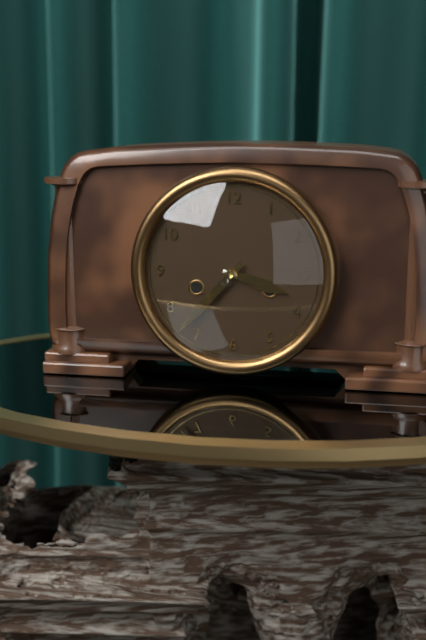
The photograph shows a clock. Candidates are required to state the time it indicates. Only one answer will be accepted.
3:37
